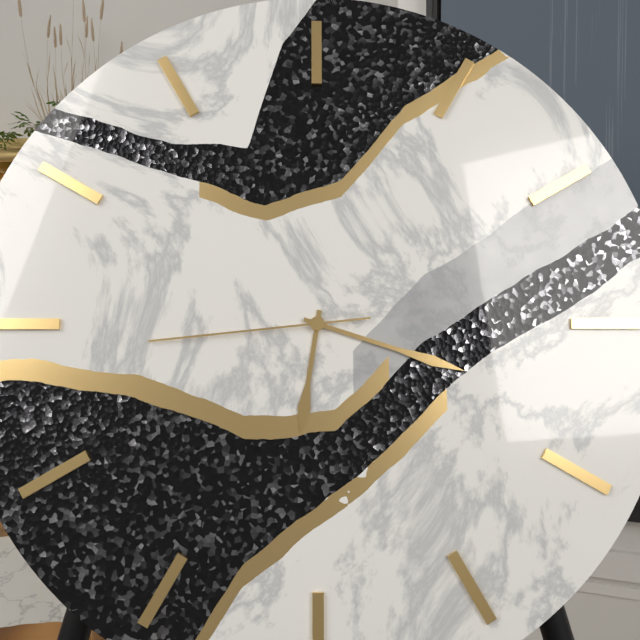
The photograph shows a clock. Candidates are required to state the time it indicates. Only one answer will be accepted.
6:18:44
